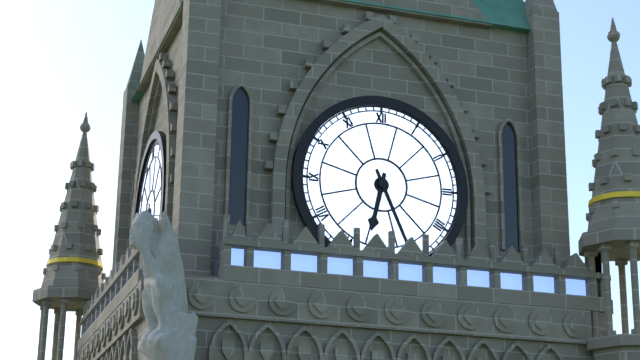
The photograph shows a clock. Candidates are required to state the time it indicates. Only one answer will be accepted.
6:26
